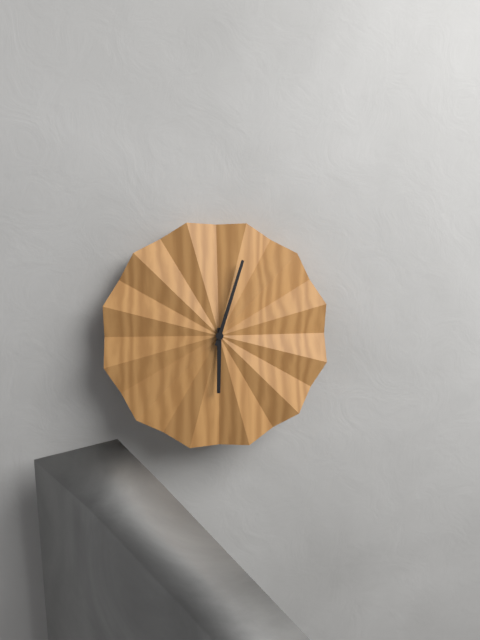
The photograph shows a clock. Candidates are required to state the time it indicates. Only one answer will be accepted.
6:03
